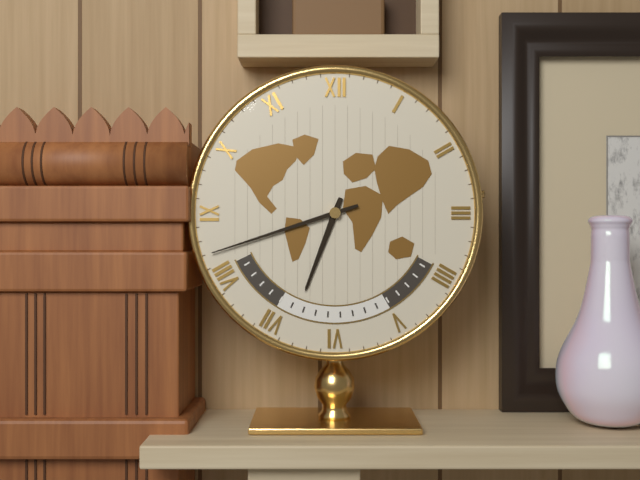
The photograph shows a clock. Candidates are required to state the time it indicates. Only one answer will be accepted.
6:42
